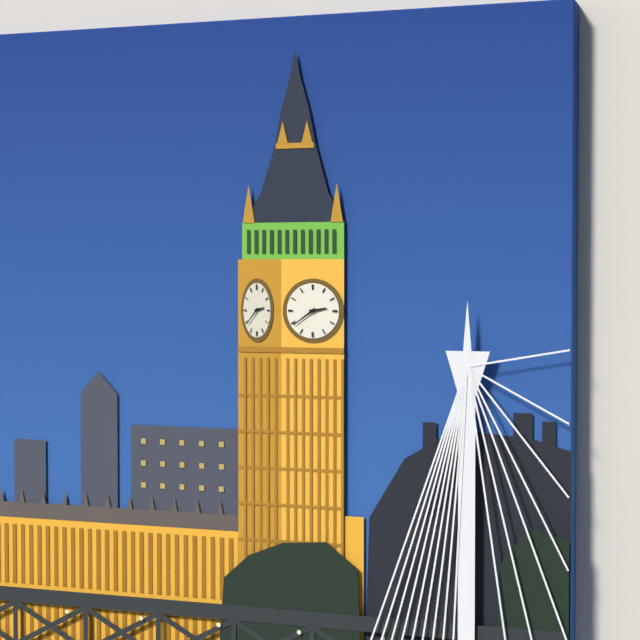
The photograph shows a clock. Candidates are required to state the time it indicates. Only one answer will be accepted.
2:39
